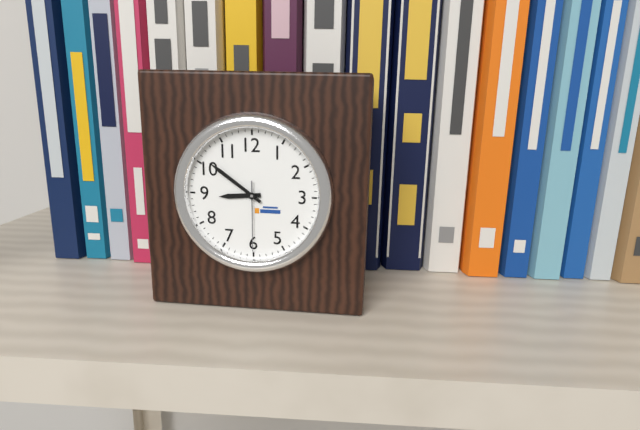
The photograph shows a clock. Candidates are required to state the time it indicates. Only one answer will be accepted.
8:51:30
